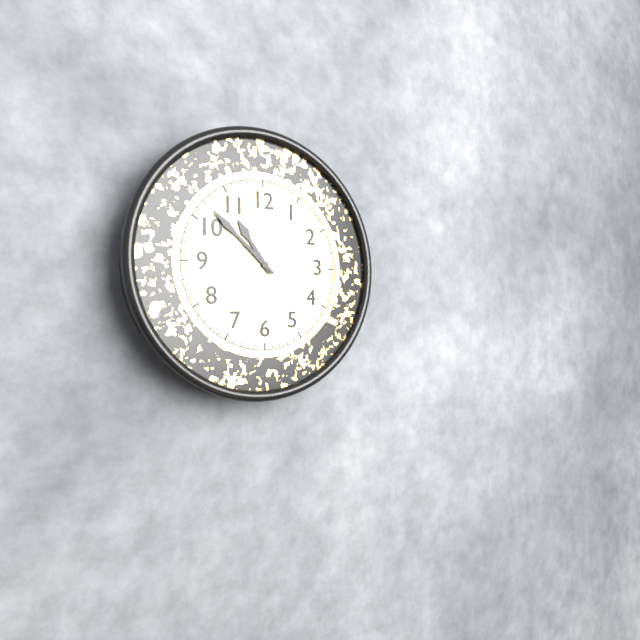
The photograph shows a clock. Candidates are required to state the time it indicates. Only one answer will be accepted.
10:52
